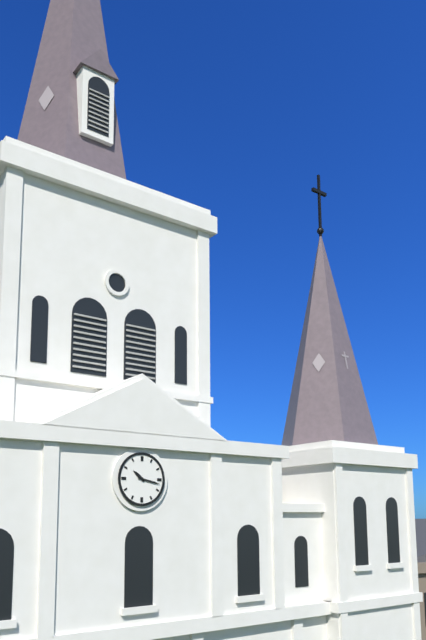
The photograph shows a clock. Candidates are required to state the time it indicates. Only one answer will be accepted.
10:17
